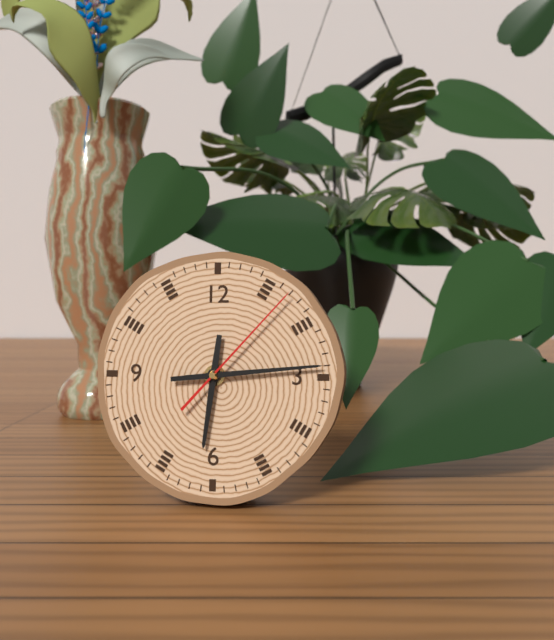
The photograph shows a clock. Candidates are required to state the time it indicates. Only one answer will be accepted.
6:14:07
